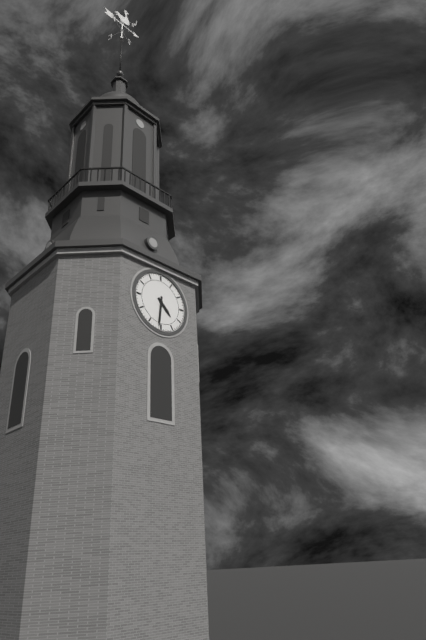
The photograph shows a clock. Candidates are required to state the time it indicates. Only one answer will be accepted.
4:31
